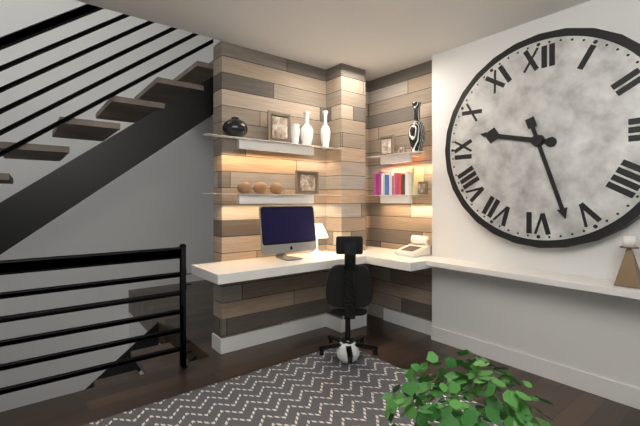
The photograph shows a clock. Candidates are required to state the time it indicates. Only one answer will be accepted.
9:27
